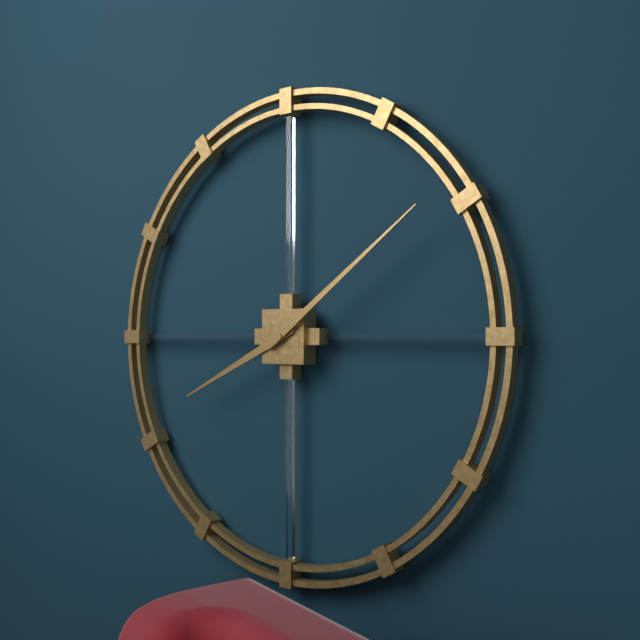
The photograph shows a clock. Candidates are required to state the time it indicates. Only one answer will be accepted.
8:09
